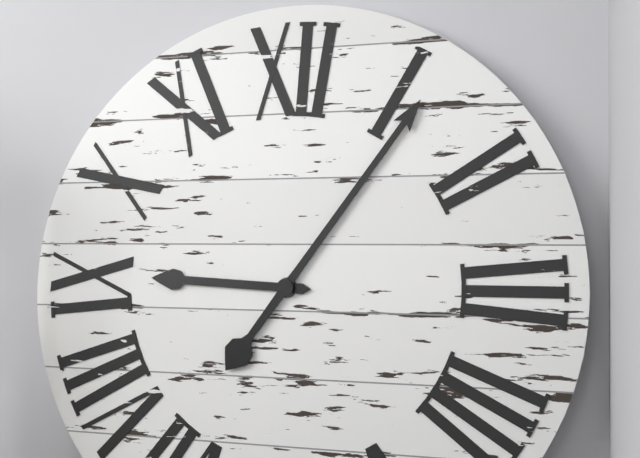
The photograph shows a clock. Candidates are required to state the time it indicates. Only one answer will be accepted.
9:06
